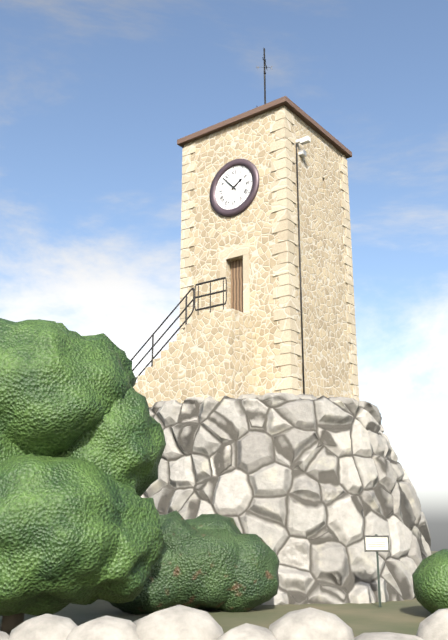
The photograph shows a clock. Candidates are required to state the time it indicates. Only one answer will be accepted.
1:53
